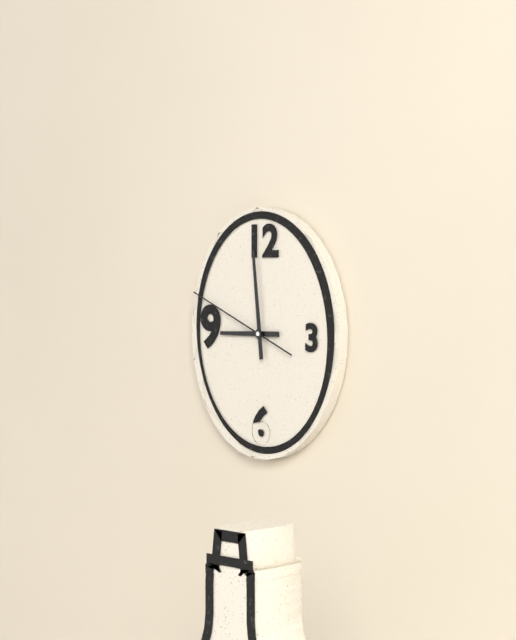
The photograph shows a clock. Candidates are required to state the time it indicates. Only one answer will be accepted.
8:59:49
